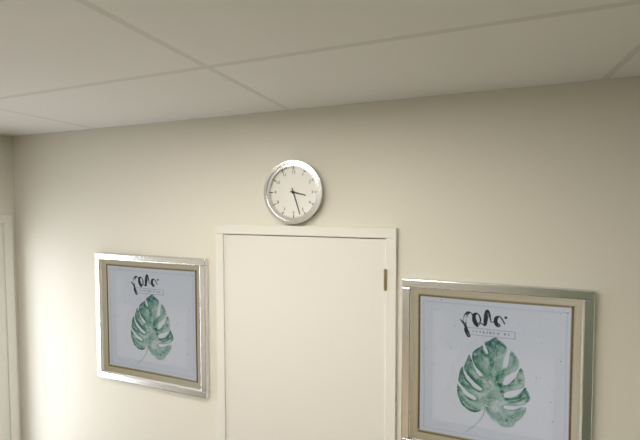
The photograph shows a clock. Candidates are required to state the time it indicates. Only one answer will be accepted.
3:27
